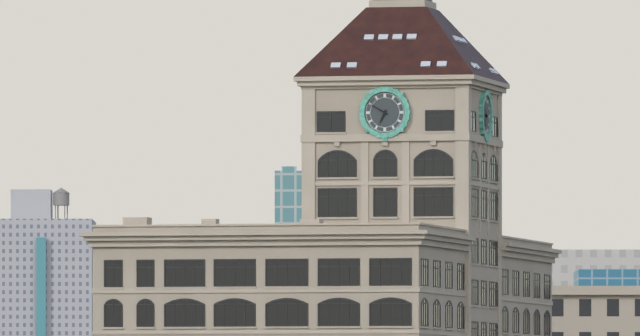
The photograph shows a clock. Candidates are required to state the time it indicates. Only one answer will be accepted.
6:50
